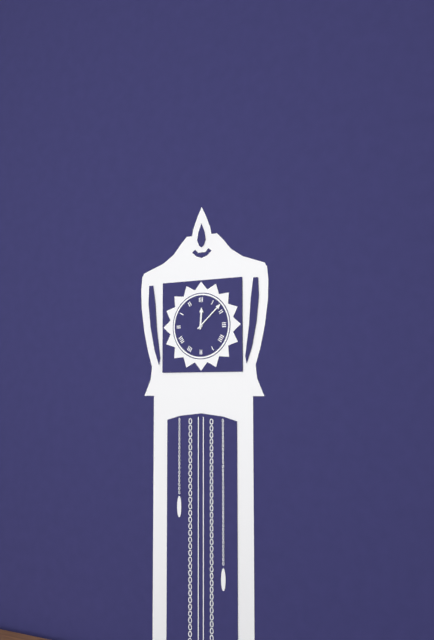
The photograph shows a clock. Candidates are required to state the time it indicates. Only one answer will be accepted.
12:08
